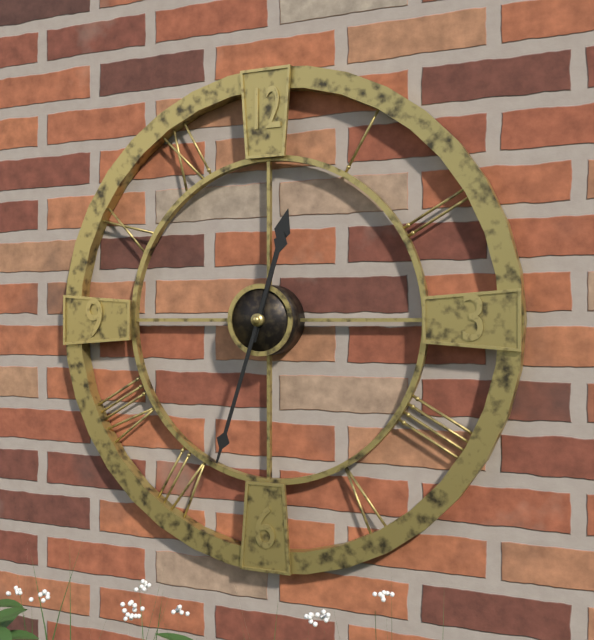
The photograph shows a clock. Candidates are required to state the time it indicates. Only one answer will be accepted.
12:33
